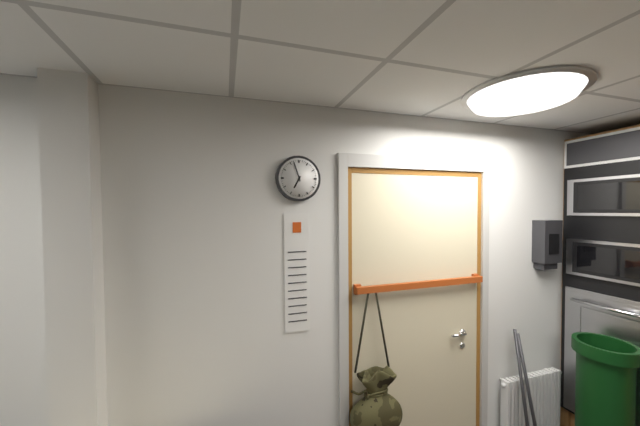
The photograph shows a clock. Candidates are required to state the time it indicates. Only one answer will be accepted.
6:57
